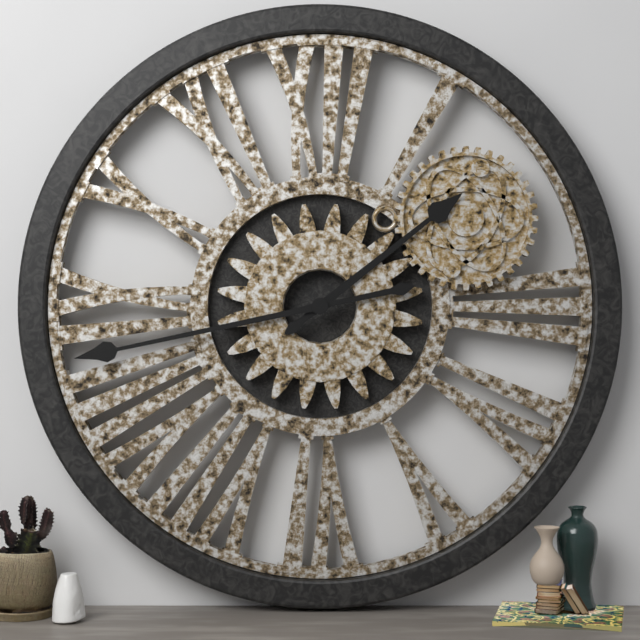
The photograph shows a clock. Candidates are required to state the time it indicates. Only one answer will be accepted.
1:43
